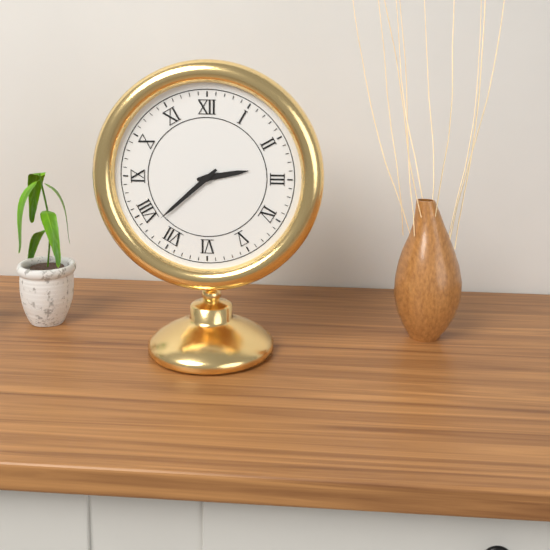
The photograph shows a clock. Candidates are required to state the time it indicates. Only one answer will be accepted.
2:38
